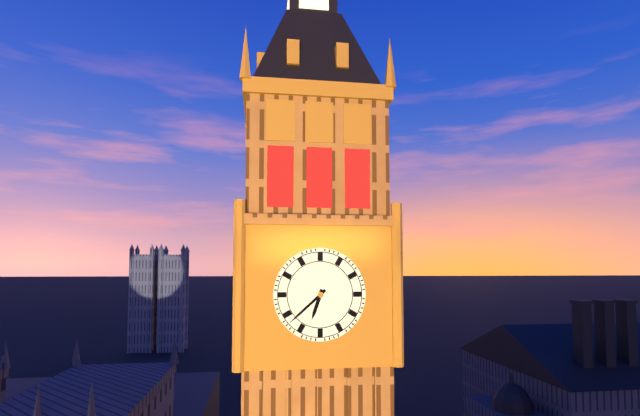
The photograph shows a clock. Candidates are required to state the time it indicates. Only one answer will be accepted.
6:38
